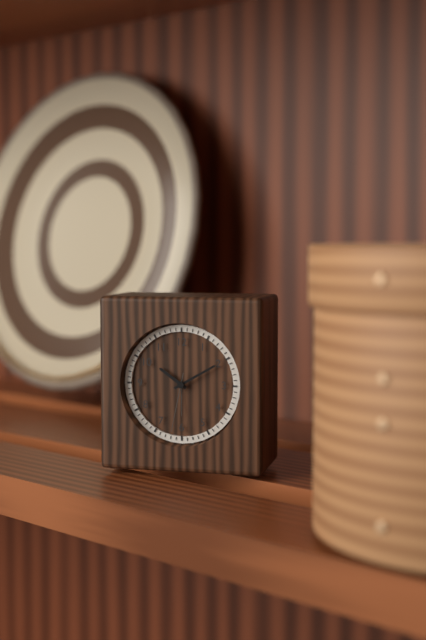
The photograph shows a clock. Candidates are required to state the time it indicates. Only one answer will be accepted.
10:10:32
